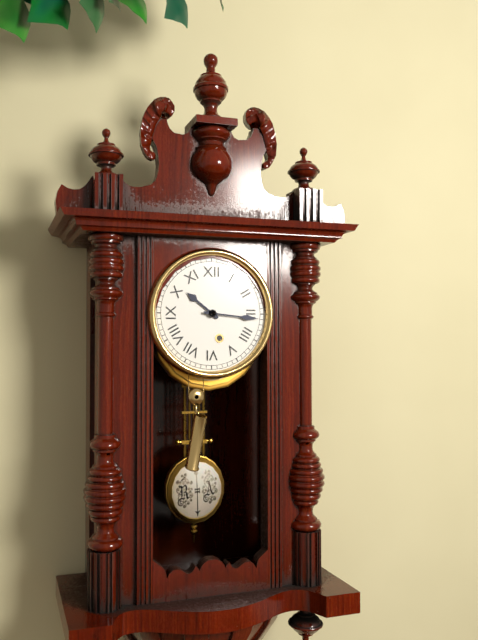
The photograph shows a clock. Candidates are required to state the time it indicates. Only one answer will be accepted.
10:16
